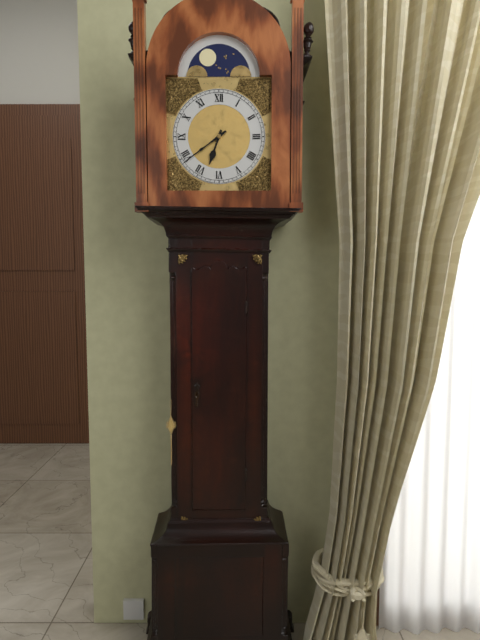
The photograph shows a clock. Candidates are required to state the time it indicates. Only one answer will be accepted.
6:39
